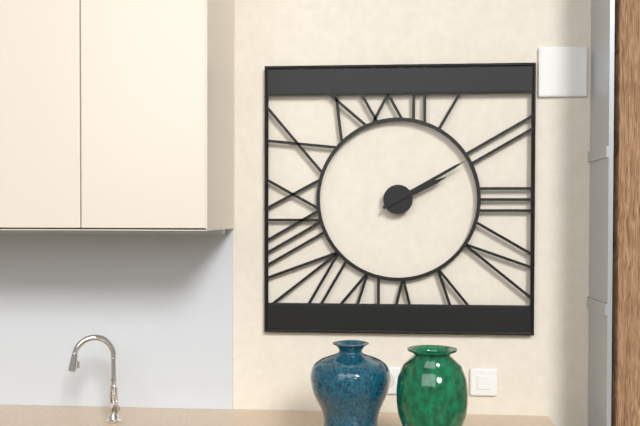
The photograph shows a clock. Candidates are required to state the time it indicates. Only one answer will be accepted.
2:10
